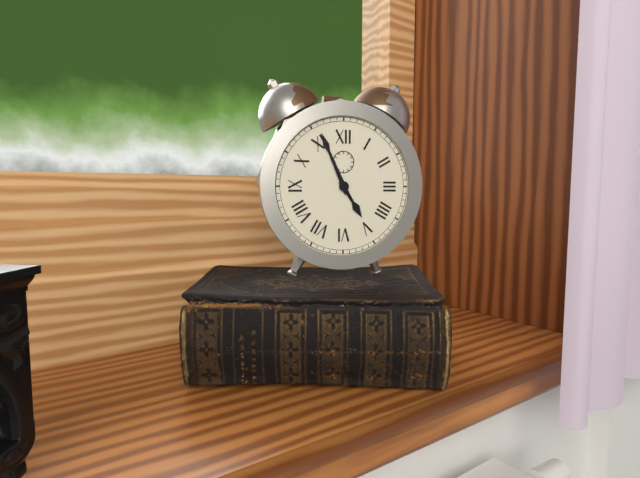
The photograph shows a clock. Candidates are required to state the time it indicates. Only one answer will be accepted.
4:56
